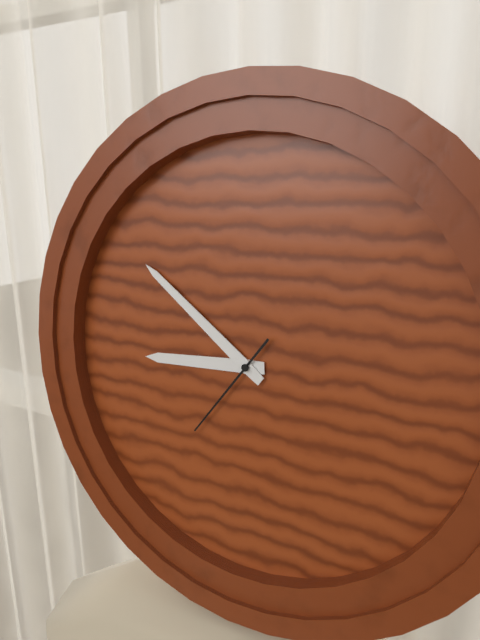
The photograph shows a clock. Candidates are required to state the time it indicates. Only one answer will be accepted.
8:51:36
